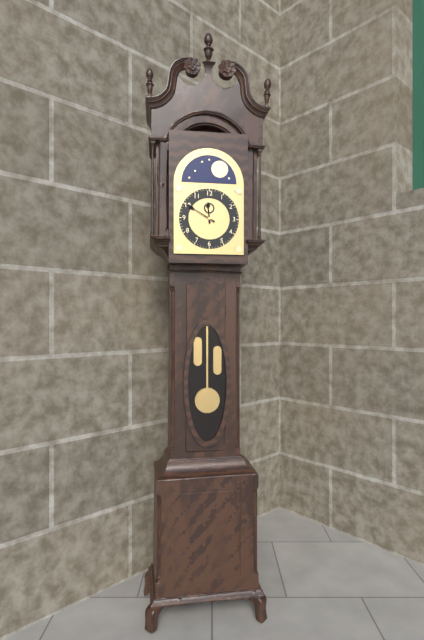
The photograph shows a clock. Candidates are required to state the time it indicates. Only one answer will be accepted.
11:50
